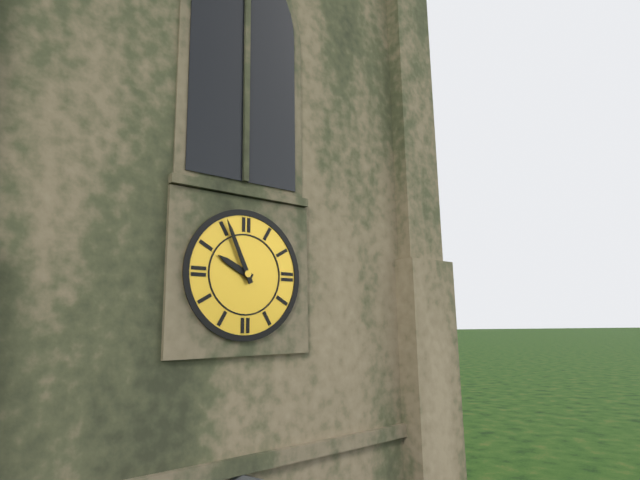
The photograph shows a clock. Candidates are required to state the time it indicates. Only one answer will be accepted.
9:56
